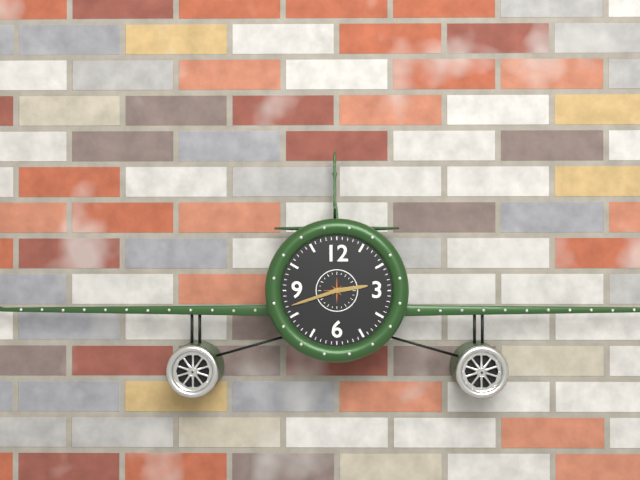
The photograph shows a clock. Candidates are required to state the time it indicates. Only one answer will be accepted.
2:42
